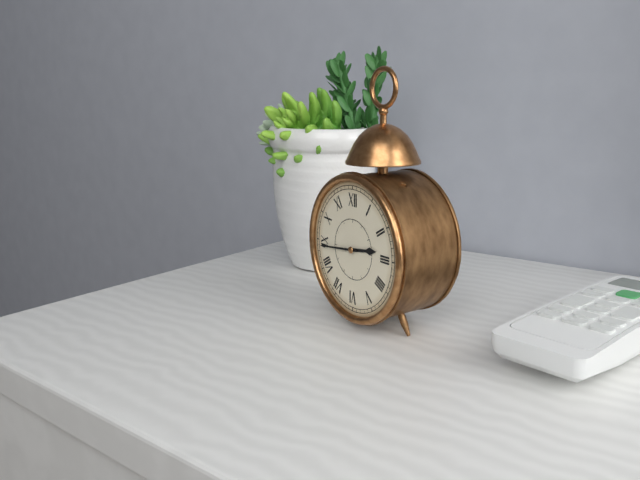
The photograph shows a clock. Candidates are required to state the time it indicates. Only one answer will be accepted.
2:44
